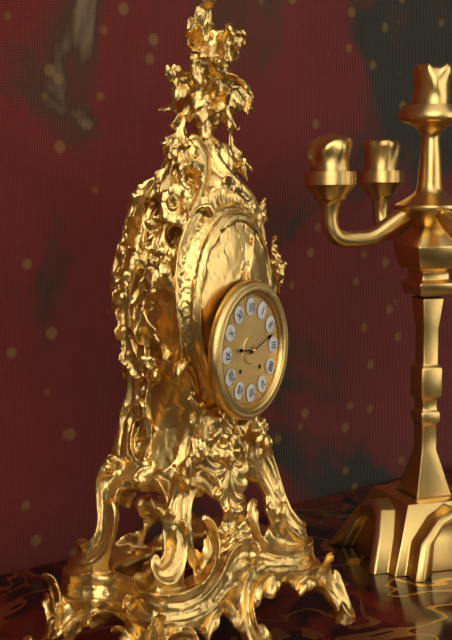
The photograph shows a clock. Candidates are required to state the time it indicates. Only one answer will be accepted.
9:12
